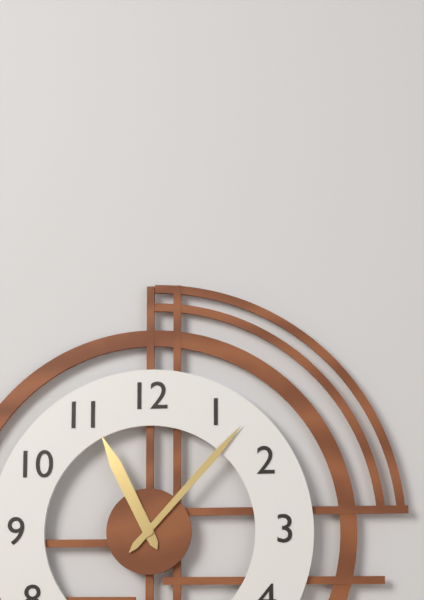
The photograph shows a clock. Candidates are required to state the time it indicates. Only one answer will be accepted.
11:07
